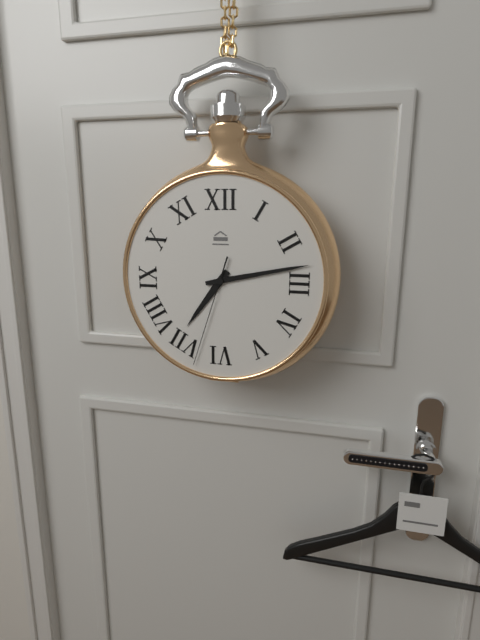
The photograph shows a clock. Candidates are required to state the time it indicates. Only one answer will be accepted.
7:13:33
